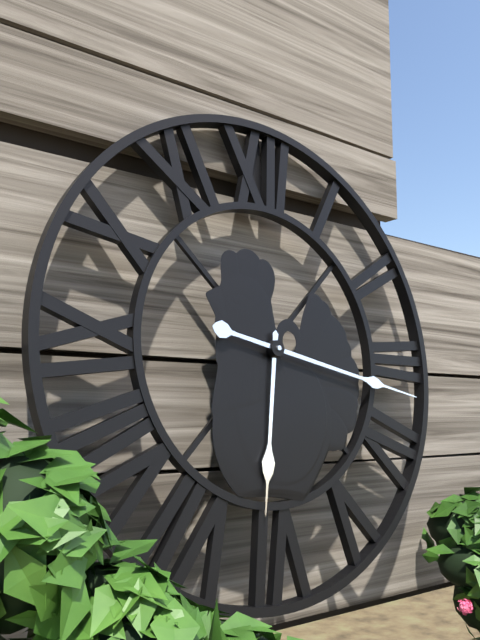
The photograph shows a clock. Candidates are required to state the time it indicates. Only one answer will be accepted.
6:17
